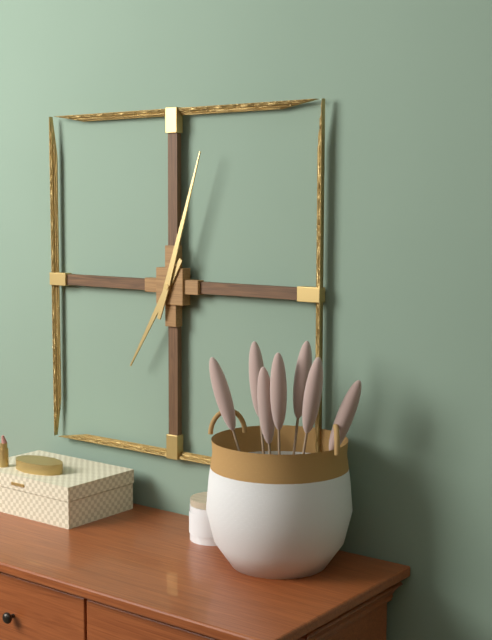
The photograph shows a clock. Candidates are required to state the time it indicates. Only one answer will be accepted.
7:03
